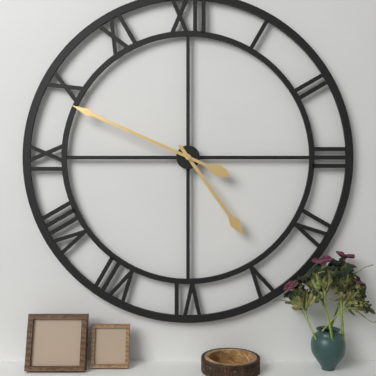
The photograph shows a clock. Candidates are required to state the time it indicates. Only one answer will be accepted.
4:49
